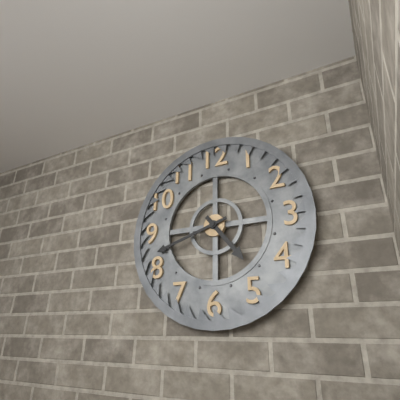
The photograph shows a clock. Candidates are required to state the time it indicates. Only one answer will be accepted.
4:42
